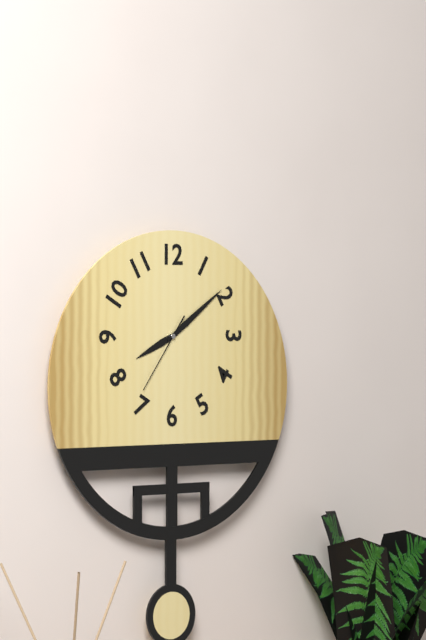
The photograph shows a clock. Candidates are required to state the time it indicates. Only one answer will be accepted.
8:09:36
